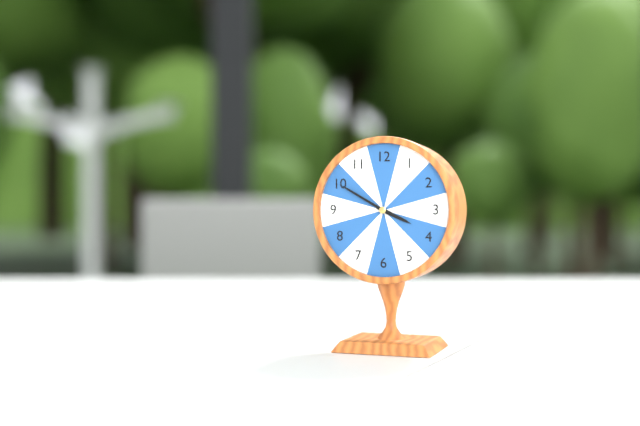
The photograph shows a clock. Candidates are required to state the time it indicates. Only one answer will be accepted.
3:50
